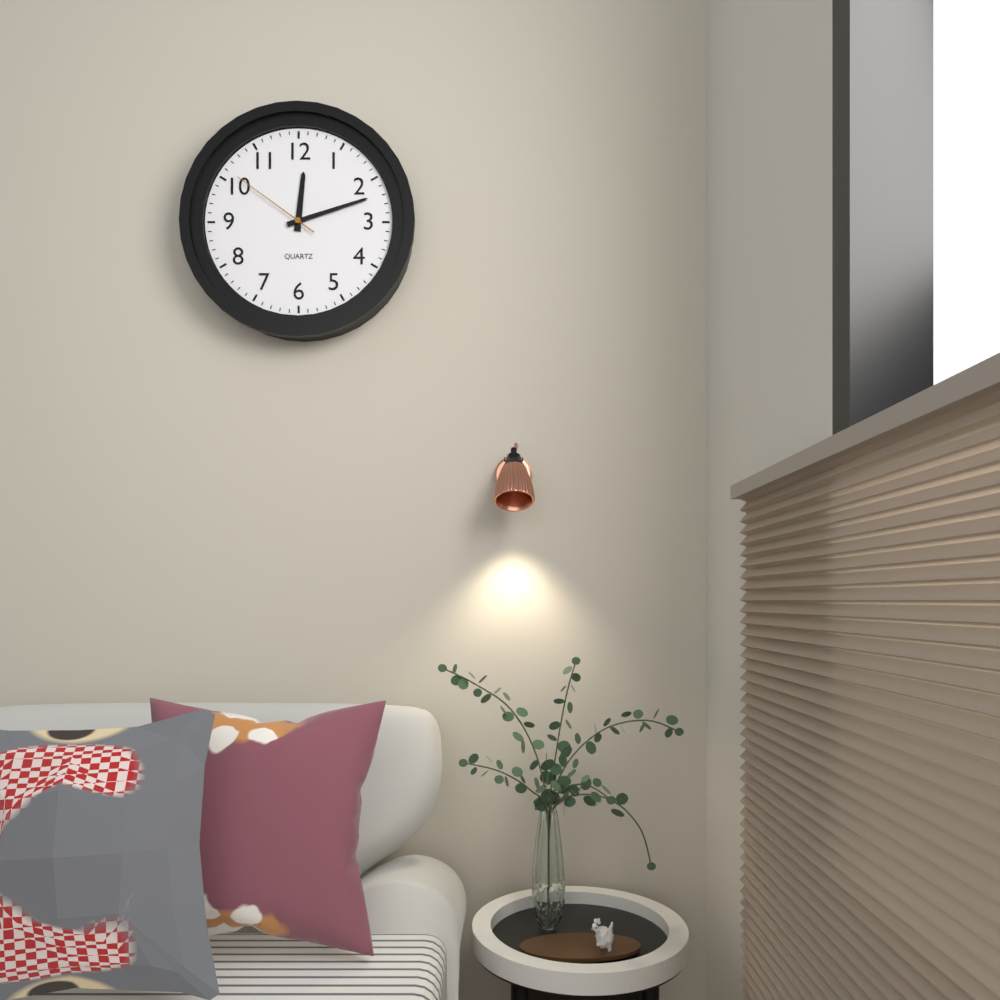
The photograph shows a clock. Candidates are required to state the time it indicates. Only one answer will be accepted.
12:12:51
